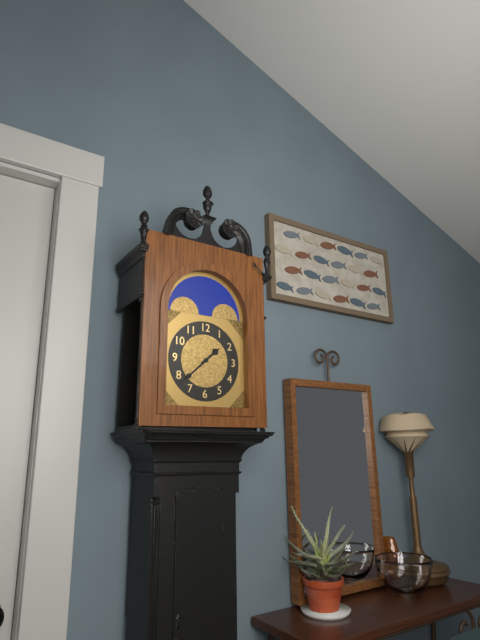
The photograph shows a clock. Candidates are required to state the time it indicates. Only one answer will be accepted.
1:38
